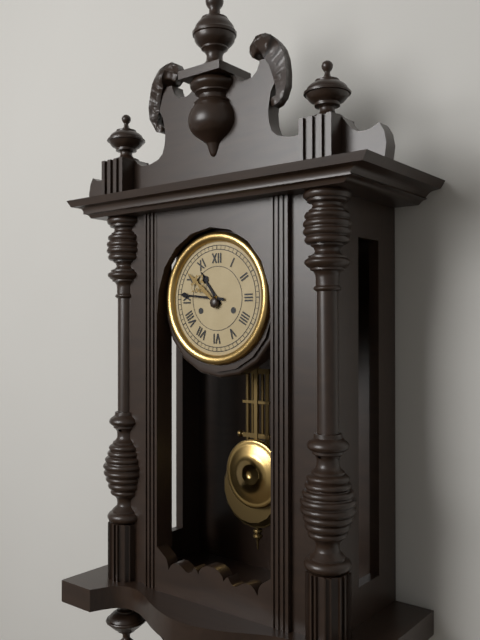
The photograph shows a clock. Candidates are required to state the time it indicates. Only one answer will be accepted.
10:46
